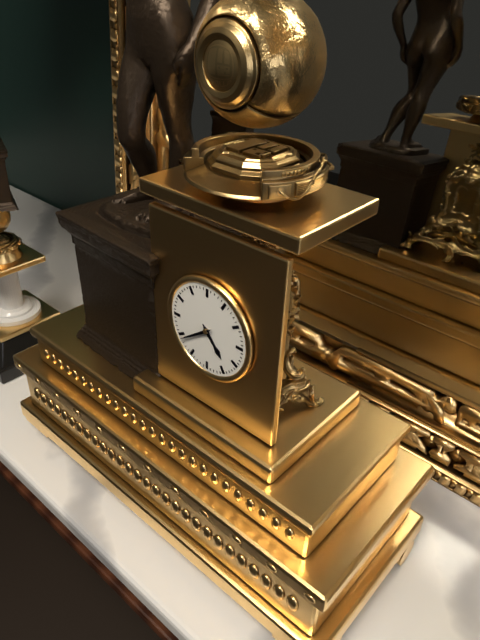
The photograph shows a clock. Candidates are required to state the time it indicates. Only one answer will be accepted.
4:39
